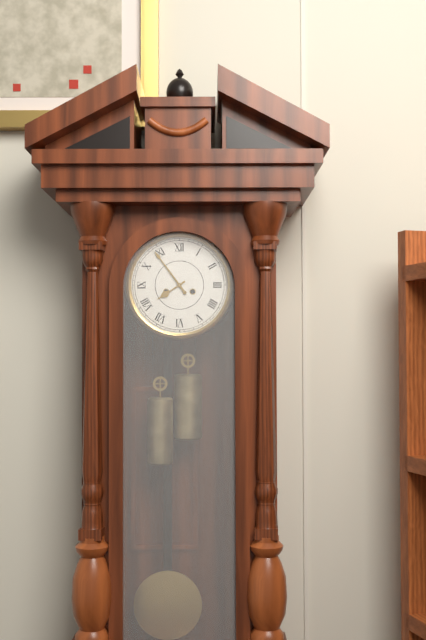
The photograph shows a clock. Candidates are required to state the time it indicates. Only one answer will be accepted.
7:54
